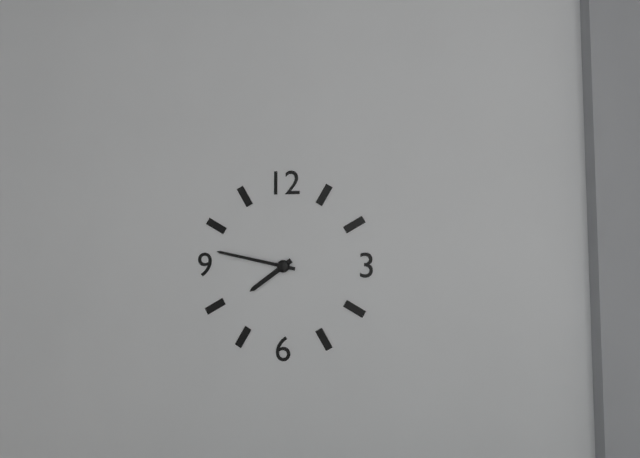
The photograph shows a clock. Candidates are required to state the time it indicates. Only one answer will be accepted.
7:47
